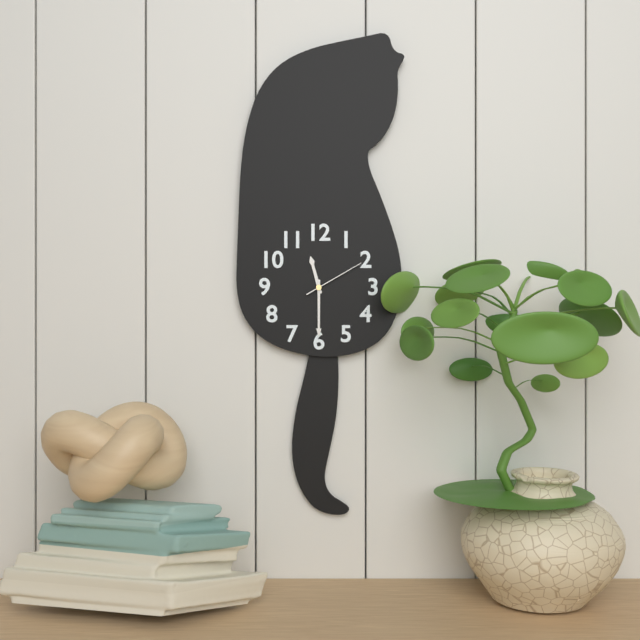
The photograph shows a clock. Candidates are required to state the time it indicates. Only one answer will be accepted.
11:30:10
